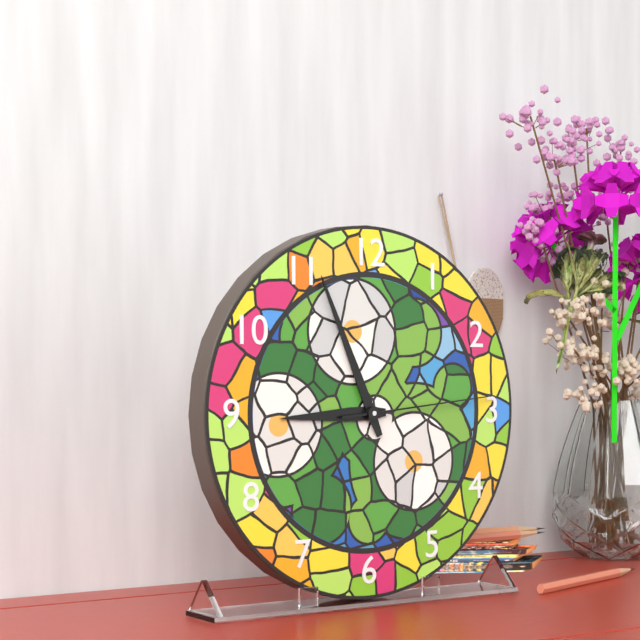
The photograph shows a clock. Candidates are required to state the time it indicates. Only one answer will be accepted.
8:56:14
